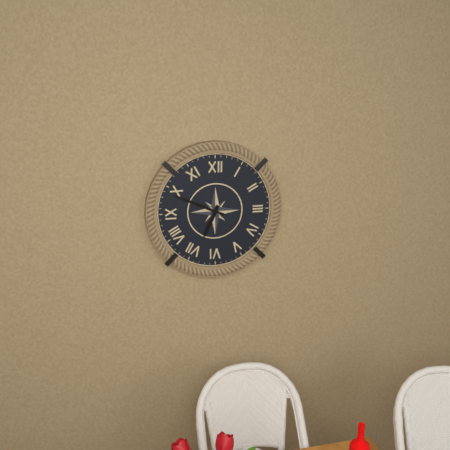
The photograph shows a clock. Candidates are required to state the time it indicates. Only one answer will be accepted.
6:49
